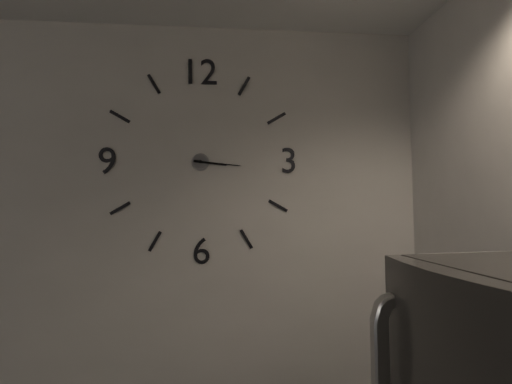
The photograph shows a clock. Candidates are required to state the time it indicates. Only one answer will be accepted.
3:16
